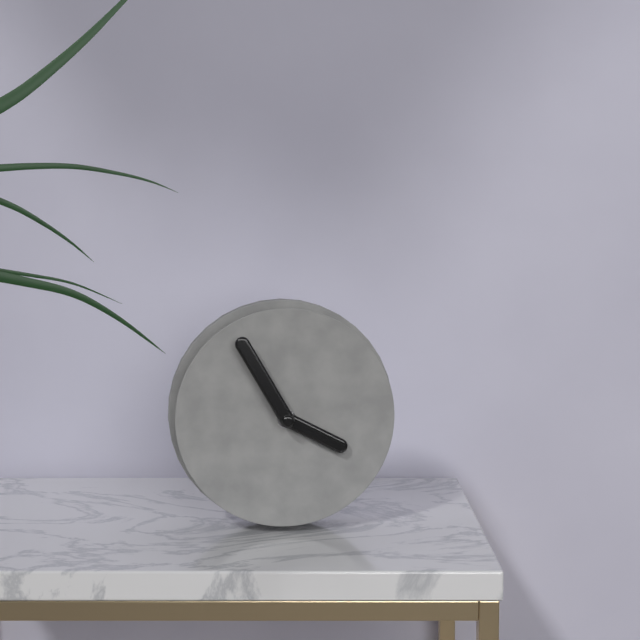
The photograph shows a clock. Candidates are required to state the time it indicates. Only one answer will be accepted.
3:55
